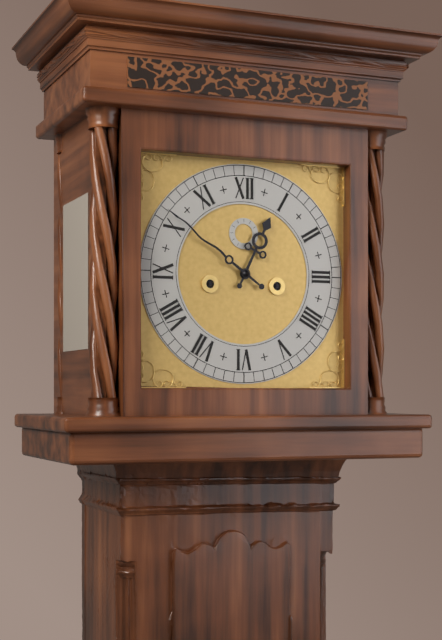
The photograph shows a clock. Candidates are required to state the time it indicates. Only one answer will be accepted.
12:51
